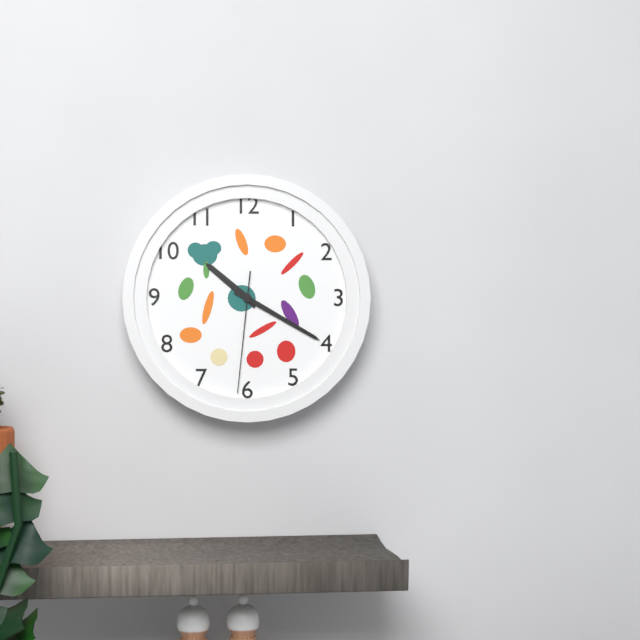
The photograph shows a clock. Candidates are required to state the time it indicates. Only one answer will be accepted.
10:20:31
